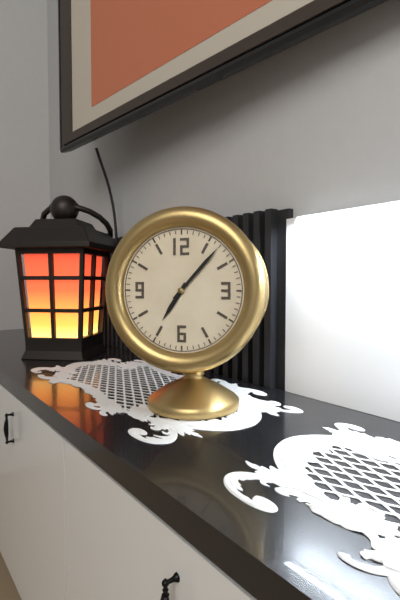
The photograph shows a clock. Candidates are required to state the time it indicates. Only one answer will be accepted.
7:07
